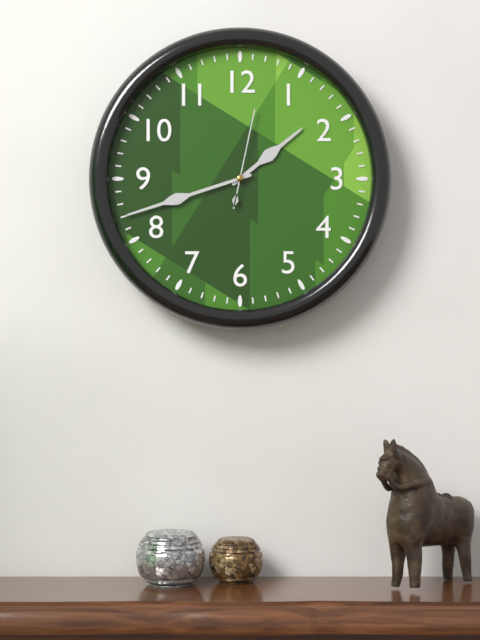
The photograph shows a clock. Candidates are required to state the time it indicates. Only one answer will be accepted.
1:42:02
